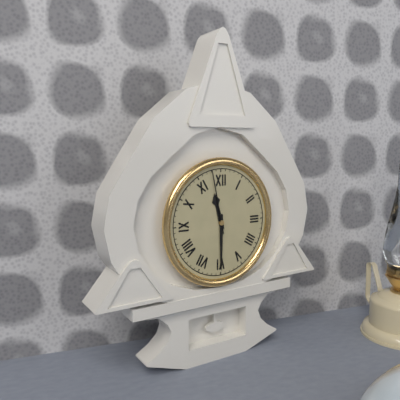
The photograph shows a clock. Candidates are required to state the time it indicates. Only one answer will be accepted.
11:30:58
